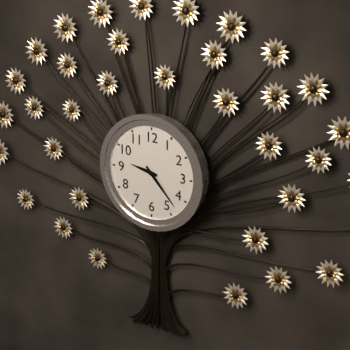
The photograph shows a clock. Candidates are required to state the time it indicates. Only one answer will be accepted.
9:23
